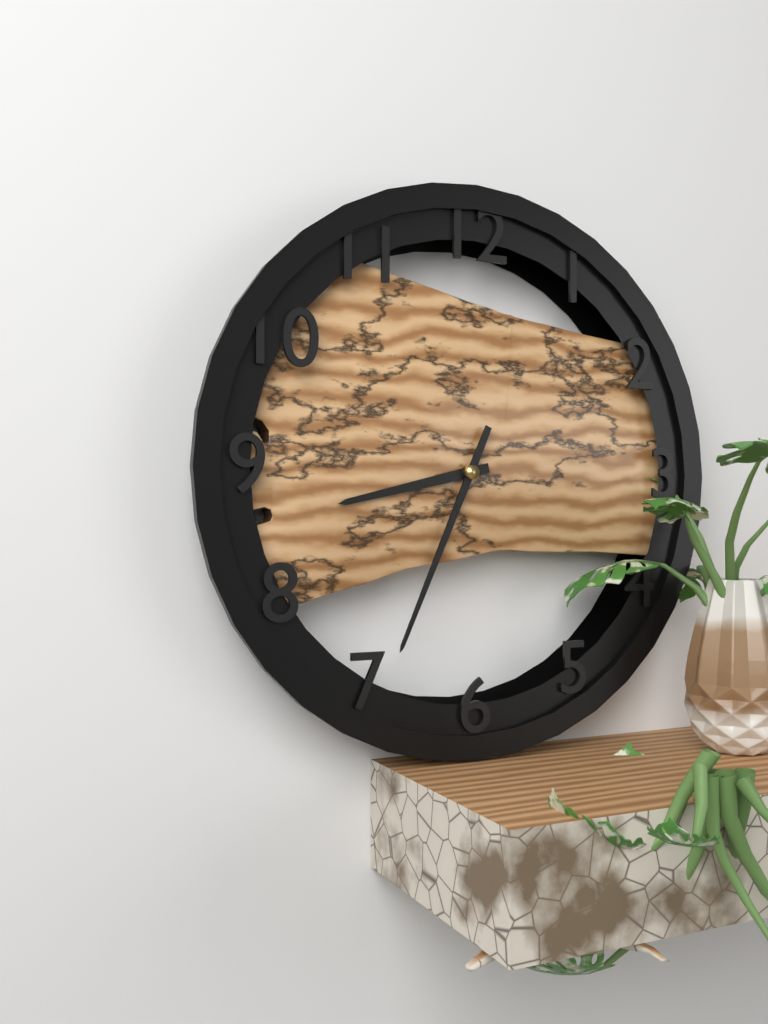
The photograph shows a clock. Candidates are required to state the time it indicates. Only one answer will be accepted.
8:34
